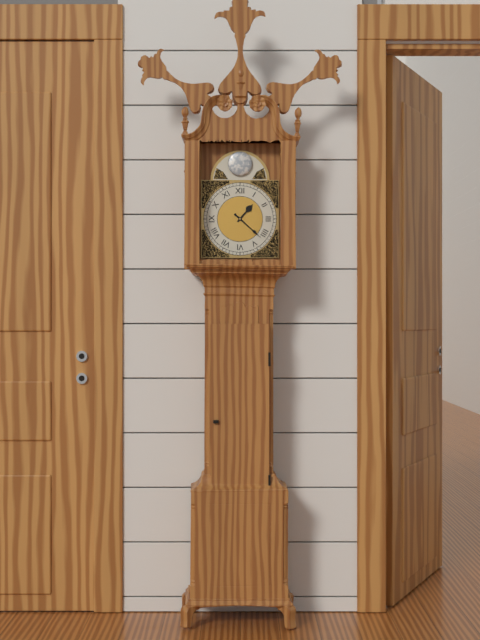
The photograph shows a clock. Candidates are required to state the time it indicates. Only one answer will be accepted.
1:22
